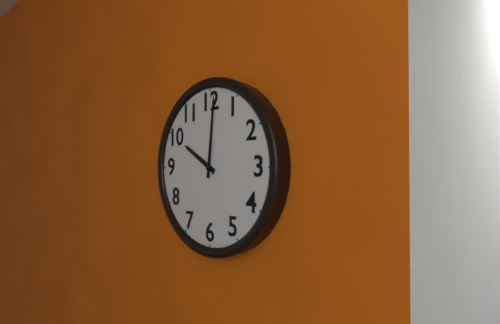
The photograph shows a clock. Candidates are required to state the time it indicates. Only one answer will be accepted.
10:01
